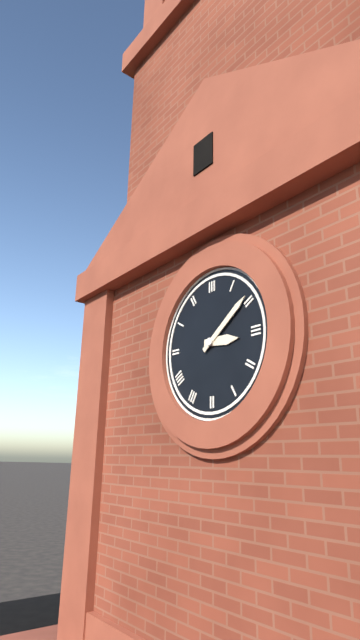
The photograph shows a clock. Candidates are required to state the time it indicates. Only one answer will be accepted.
3:09
